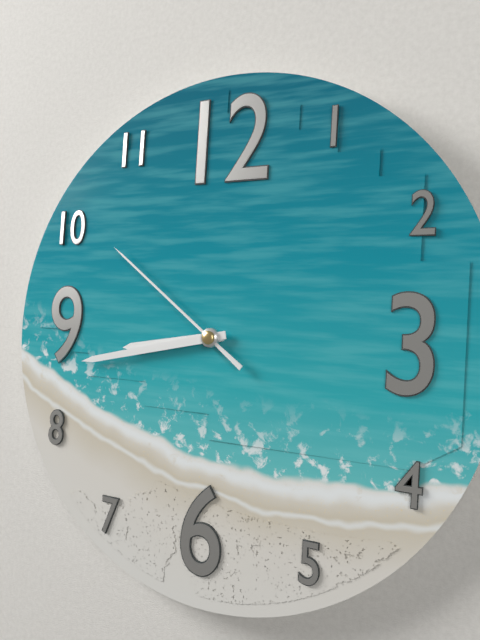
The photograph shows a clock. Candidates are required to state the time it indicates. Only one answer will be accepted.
8:43:51
